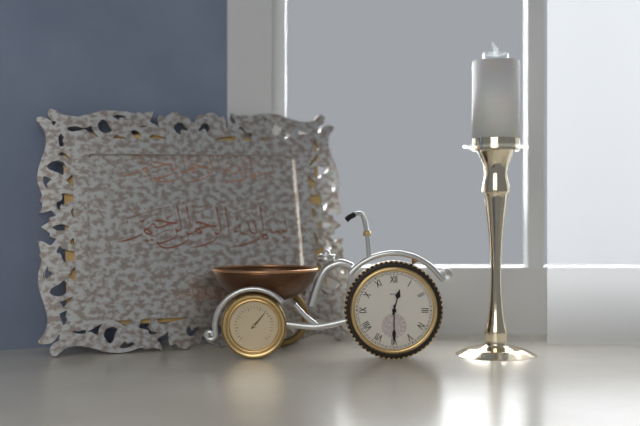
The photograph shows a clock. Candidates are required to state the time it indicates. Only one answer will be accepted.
12:30
